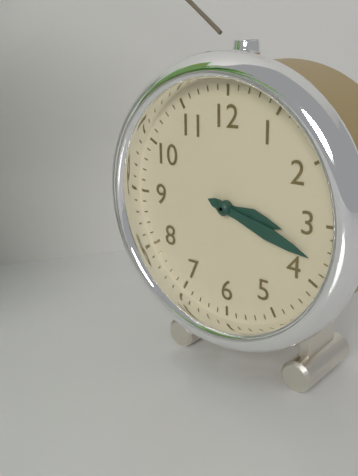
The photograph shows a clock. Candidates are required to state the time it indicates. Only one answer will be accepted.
3:18
